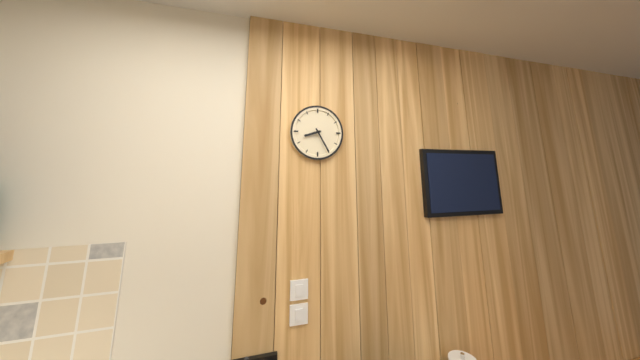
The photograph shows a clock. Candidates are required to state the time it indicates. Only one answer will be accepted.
8:25
